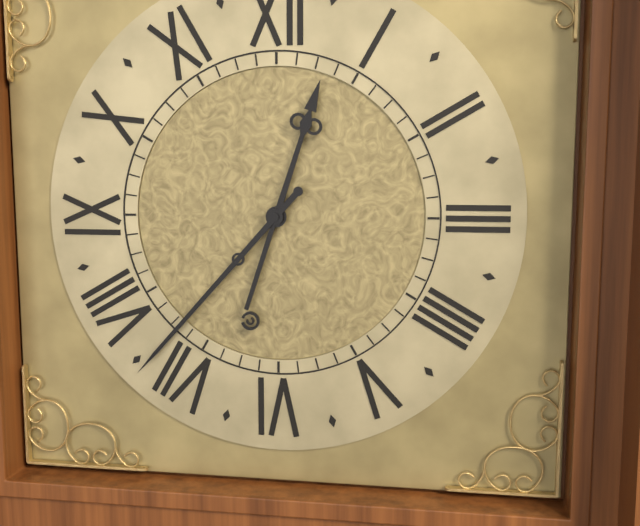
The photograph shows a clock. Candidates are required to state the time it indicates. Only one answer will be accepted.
12:37
